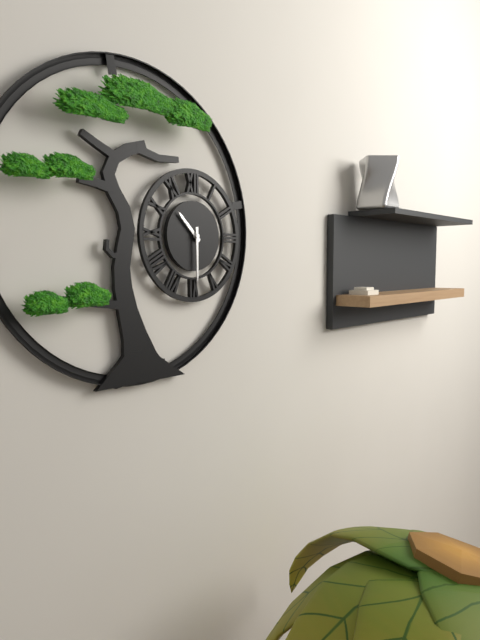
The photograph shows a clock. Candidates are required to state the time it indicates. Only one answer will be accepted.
10:30
